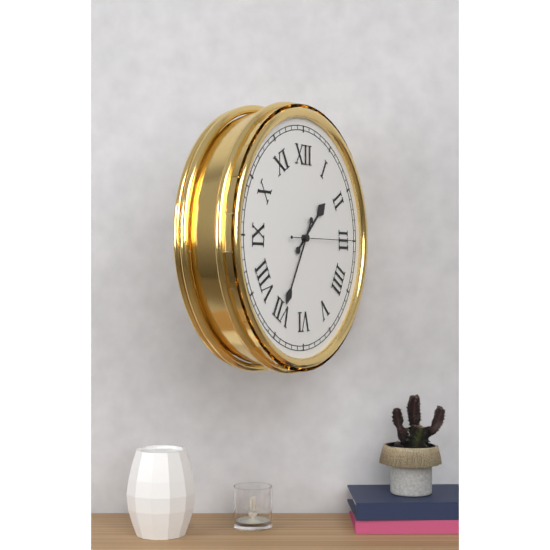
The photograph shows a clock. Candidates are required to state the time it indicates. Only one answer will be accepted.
1:35:15
